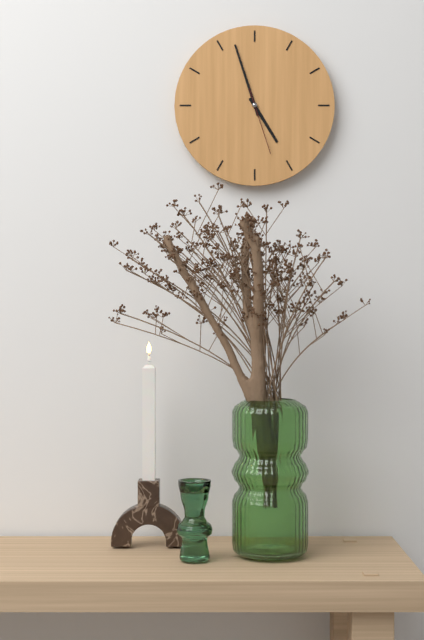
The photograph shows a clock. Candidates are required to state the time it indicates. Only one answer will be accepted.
4:57:27
